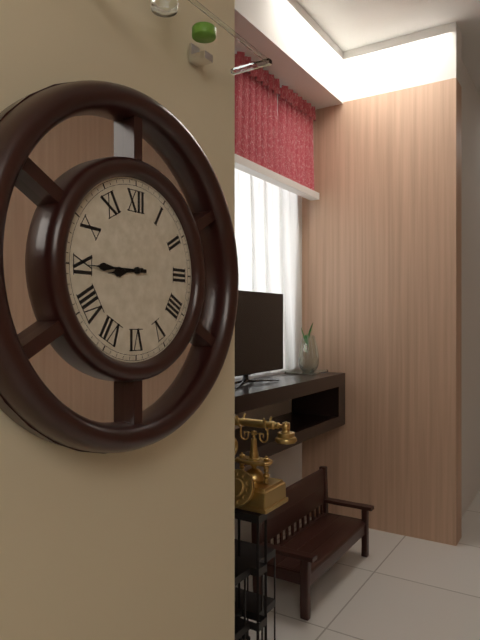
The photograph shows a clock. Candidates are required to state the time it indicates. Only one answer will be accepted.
8:45
